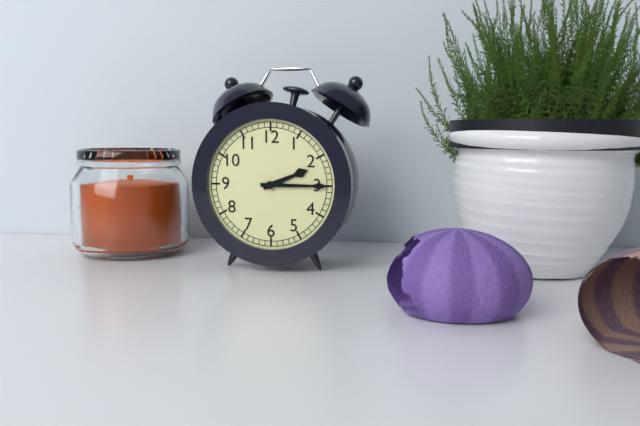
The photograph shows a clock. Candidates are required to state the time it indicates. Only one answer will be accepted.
2:15
